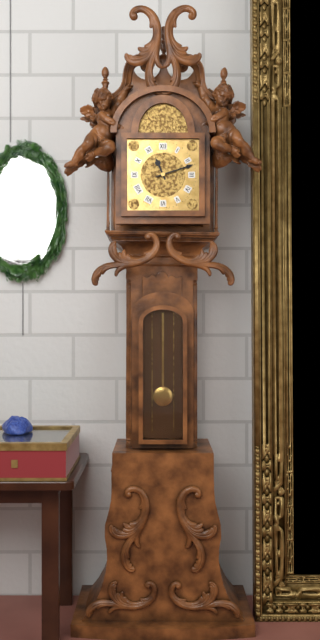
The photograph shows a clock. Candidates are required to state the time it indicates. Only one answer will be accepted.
11:12
